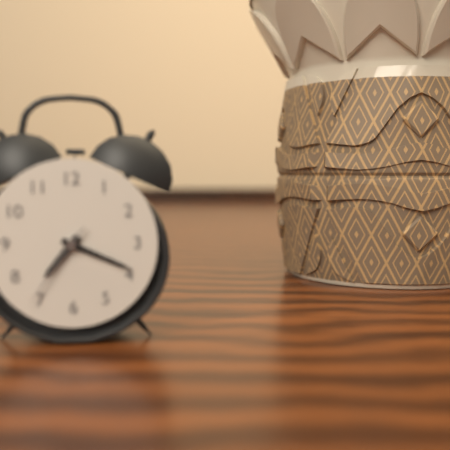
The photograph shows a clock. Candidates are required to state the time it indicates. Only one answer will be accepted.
7:19:36
